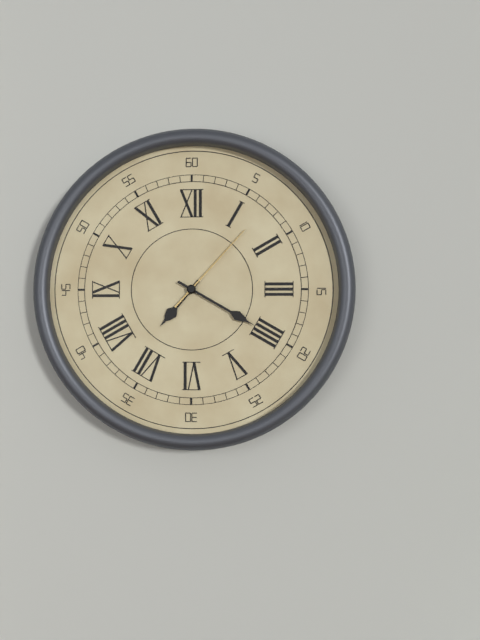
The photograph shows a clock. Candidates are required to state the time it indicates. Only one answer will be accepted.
7:20:07
